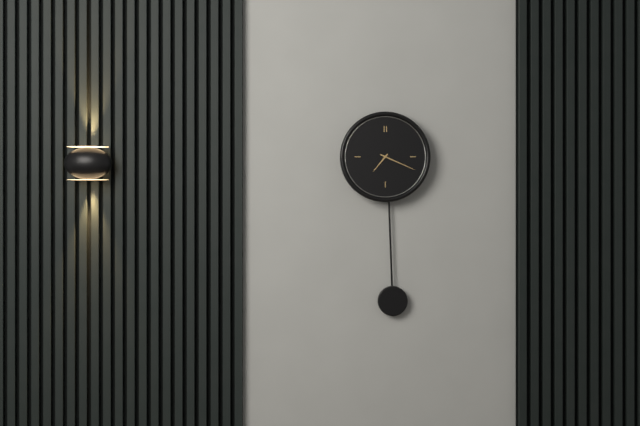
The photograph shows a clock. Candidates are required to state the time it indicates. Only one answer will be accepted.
7:19
